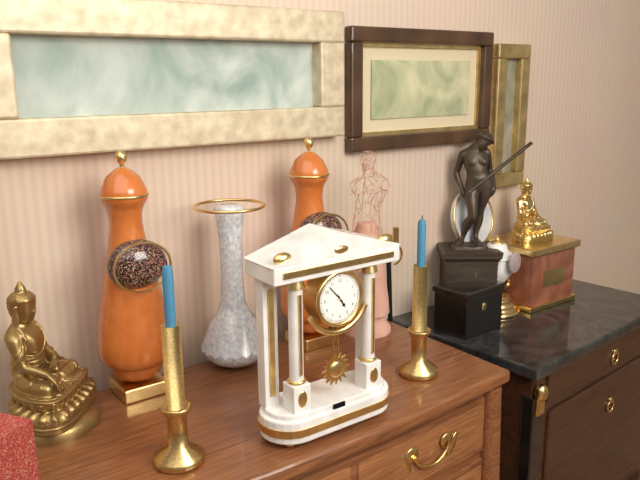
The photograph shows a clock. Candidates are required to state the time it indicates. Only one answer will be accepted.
4:53
